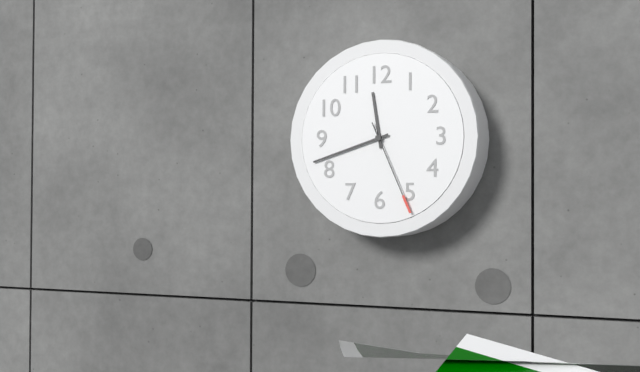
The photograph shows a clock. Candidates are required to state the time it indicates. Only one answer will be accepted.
11:42:26
